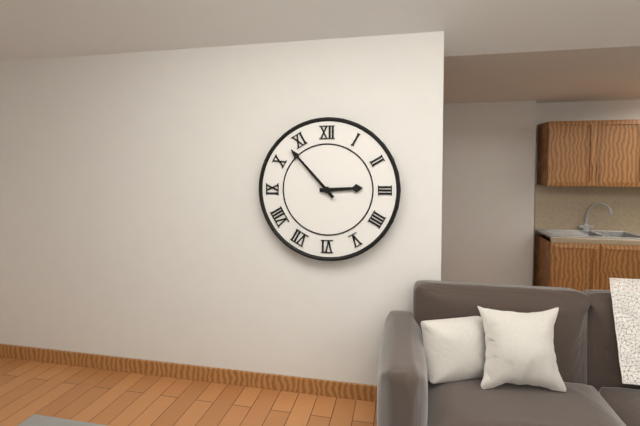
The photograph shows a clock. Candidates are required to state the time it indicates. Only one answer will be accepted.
2:53
